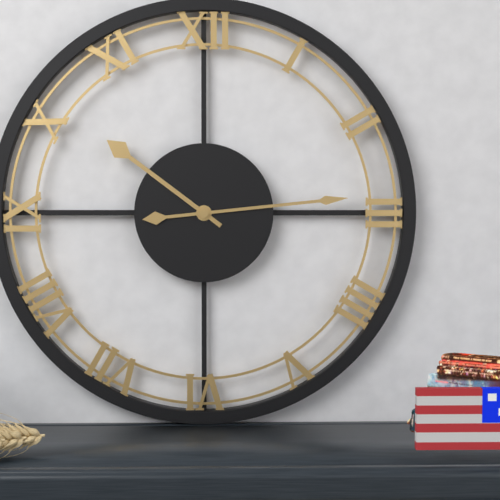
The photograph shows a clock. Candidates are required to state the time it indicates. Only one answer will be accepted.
10:14
